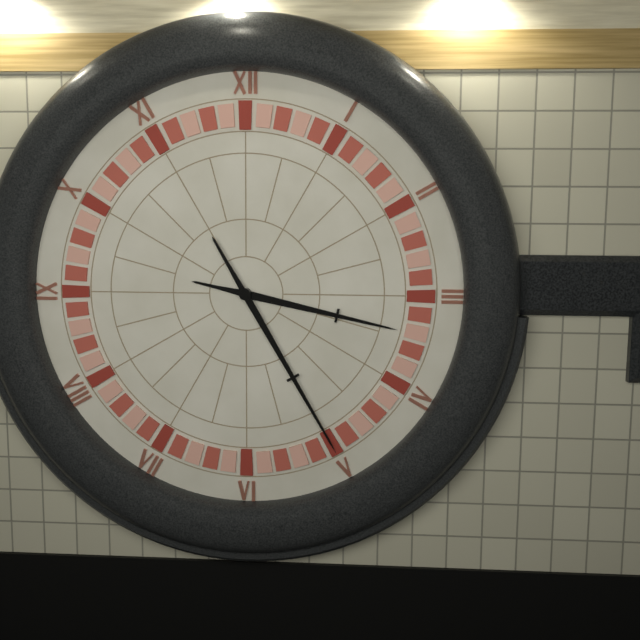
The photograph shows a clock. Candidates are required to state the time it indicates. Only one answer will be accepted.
3:25
